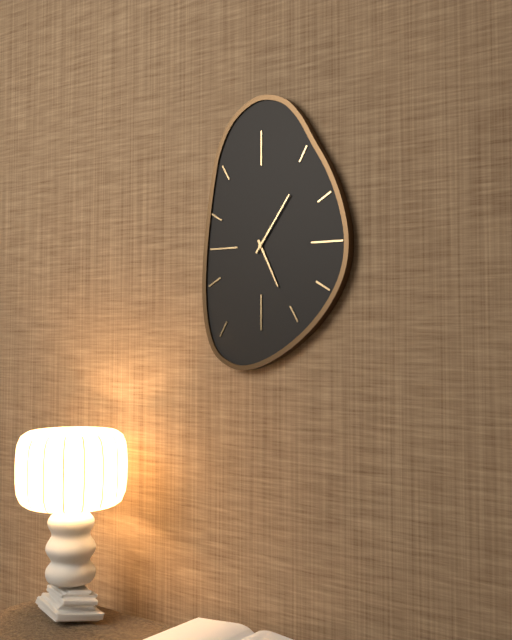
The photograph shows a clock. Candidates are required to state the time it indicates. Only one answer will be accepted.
5:06
